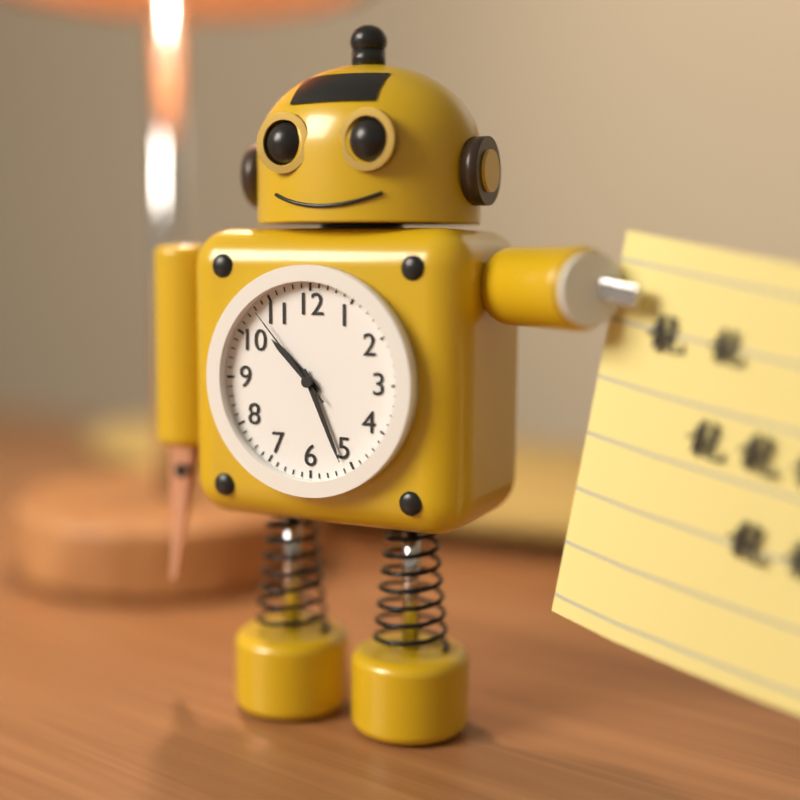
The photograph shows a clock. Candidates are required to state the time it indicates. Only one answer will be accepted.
10:26:53
